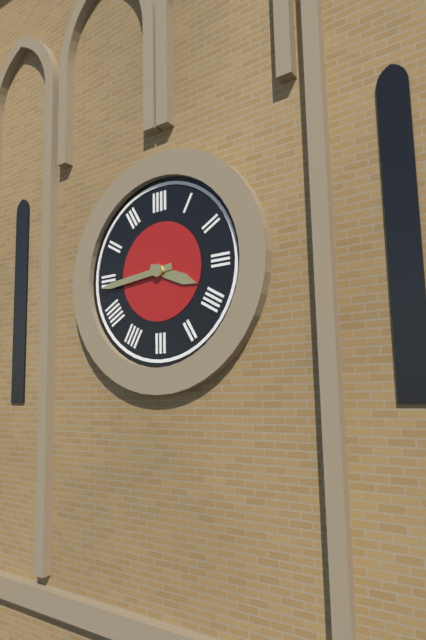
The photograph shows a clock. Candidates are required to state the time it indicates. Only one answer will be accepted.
3:44
